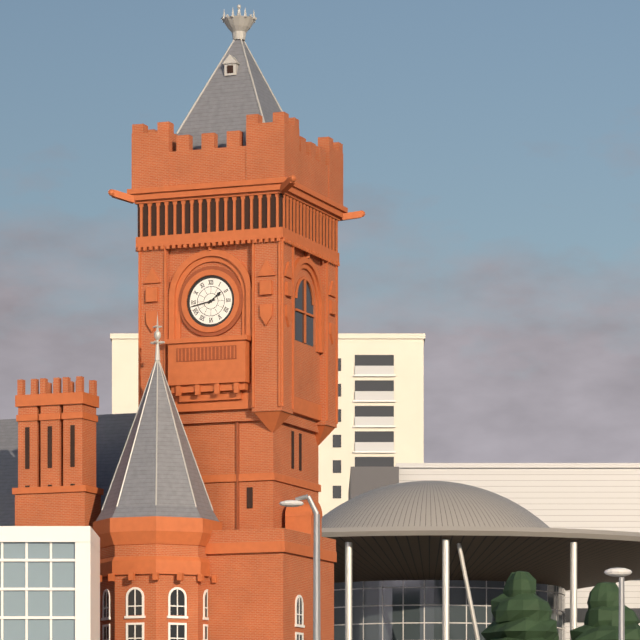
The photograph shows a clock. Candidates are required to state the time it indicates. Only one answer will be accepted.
1:43
